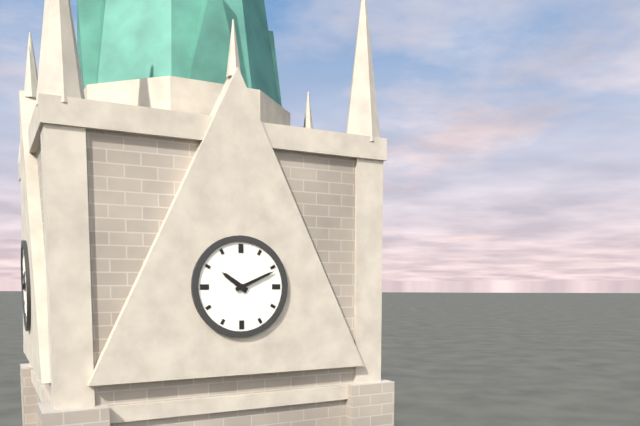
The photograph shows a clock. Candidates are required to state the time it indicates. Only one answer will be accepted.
10:11
